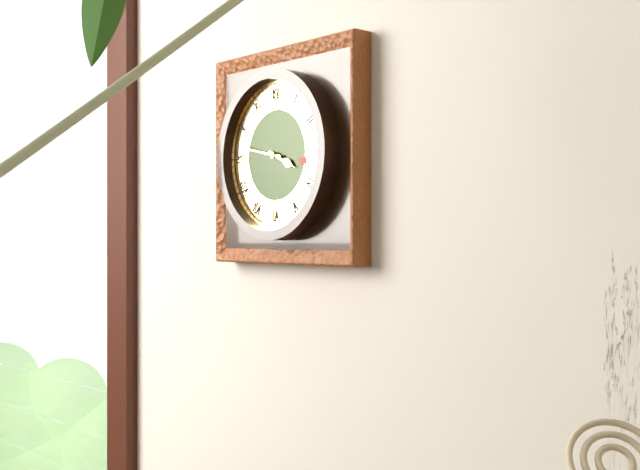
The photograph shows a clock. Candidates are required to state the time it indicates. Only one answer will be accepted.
3:47
